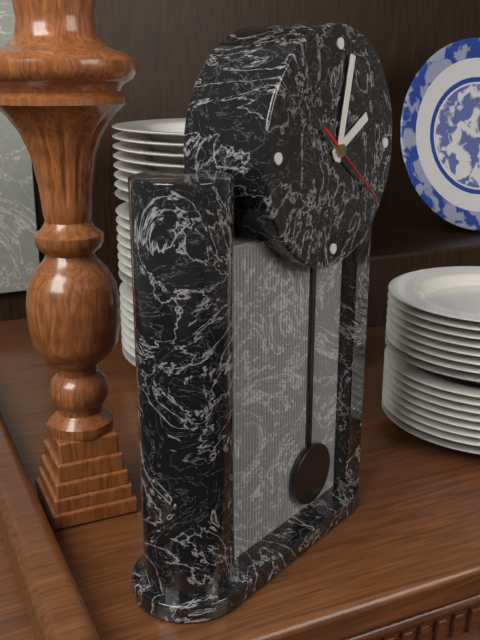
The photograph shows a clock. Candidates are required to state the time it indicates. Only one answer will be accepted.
2:02:21
